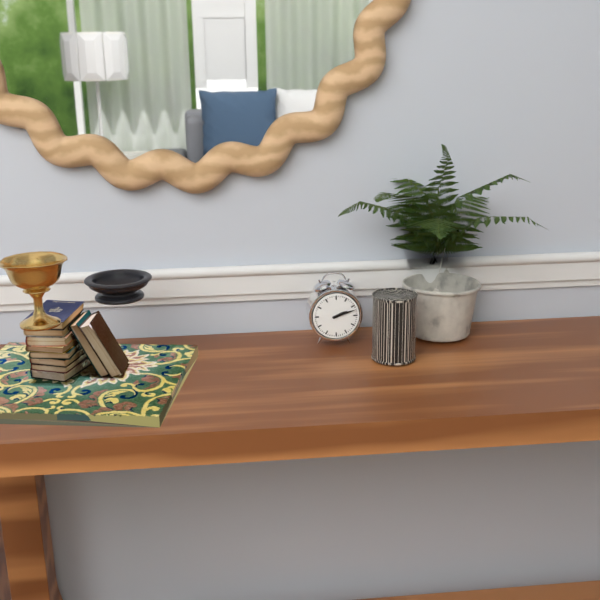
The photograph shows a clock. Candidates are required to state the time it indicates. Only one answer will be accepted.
2:12
